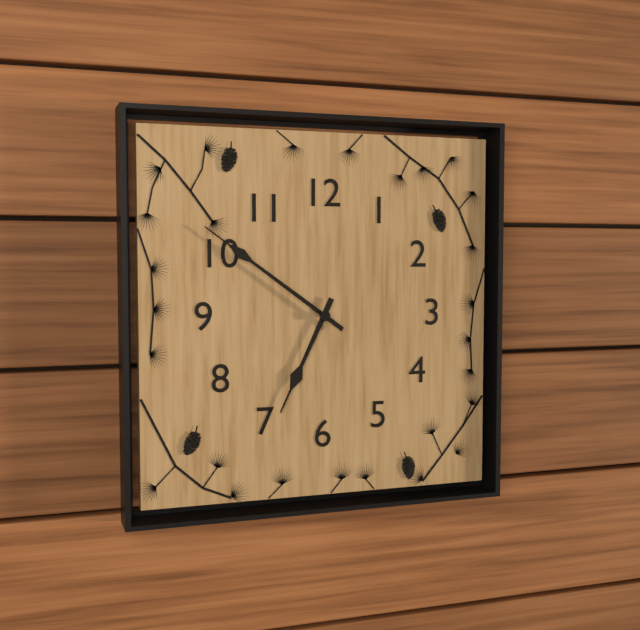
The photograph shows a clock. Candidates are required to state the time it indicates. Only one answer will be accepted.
6:51
